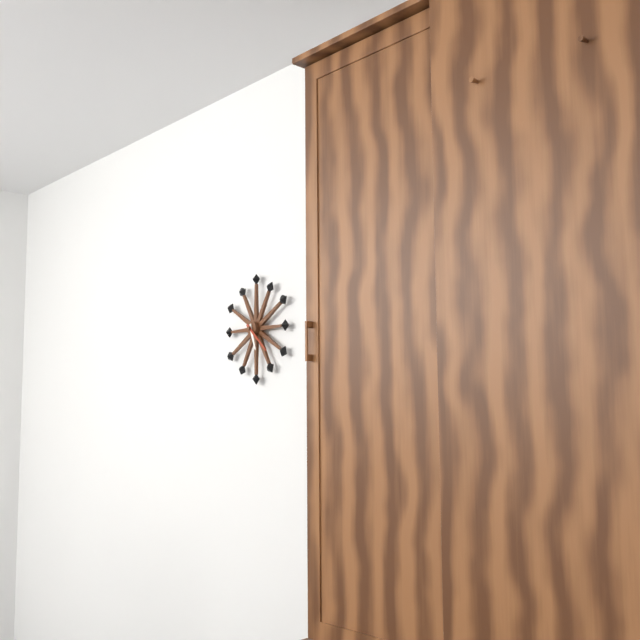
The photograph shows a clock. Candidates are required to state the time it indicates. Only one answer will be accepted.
5:22
